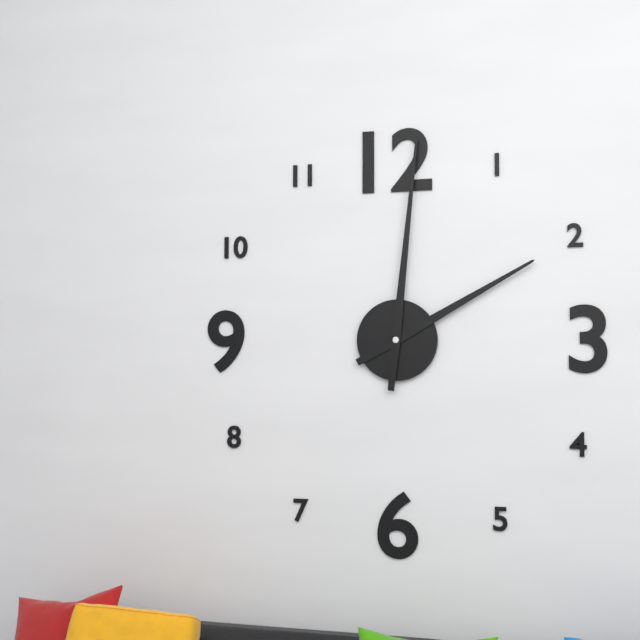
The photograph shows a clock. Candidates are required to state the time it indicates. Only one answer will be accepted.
2:01
